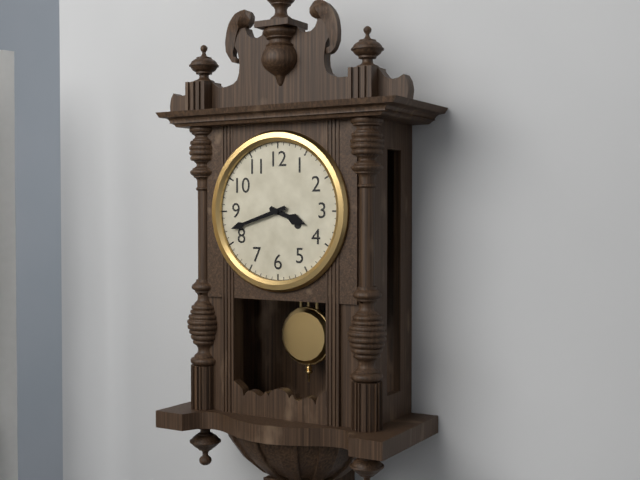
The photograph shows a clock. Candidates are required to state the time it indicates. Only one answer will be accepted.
3:42
